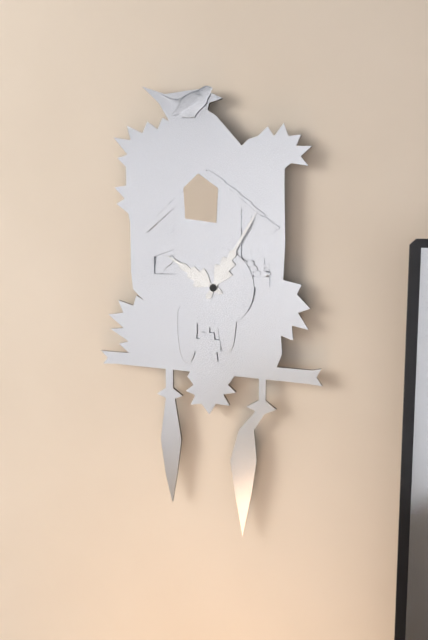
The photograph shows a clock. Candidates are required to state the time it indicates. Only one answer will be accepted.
10:05
